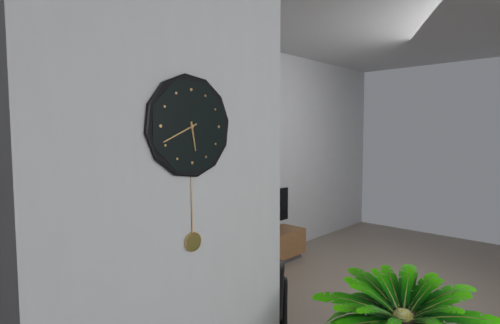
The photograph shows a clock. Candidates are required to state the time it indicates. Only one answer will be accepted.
5:41
